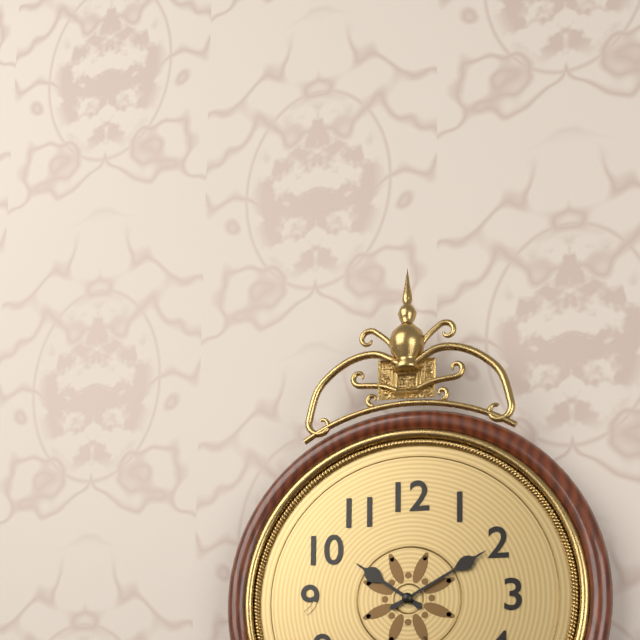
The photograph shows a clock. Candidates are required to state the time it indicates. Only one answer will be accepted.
10:10
